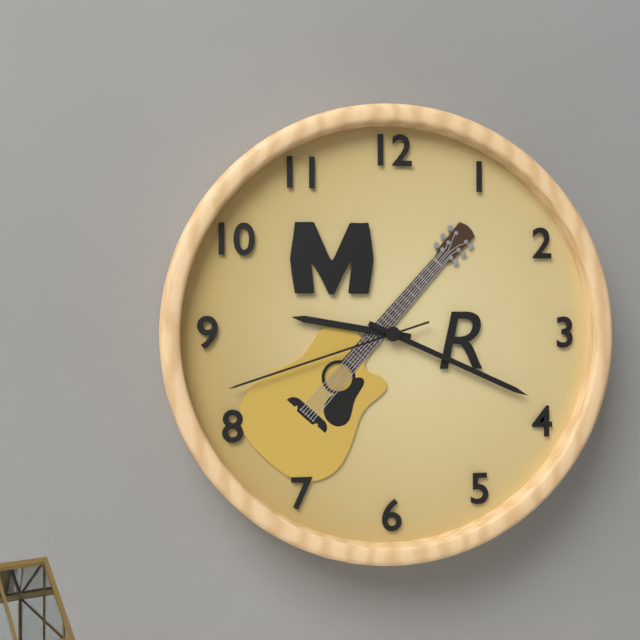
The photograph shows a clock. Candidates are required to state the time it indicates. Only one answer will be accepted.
9:19:42
